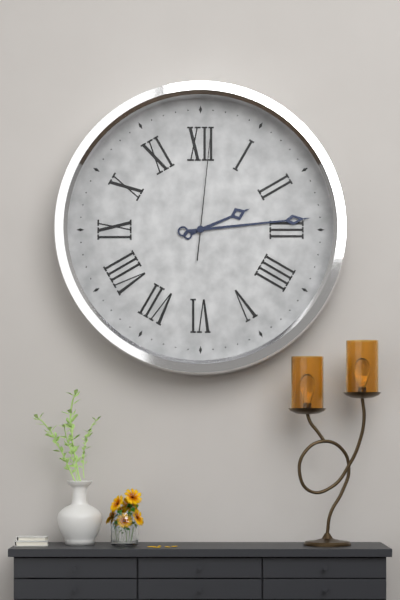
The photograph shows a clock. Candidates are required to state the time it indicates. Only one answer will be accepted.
2:14:01
